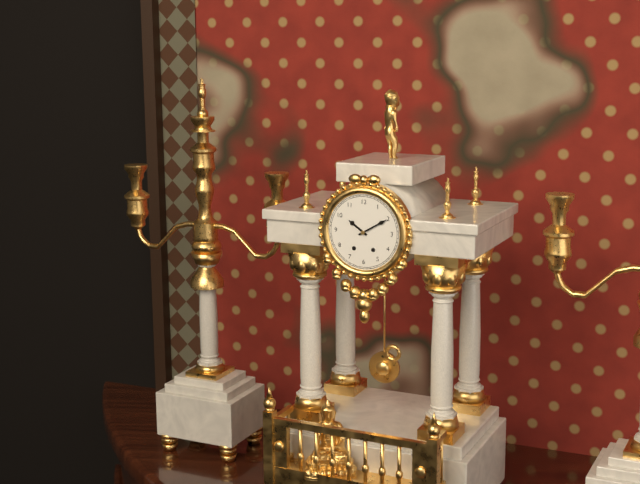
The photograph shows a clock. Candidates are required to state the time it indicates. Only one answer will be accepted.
10:10
